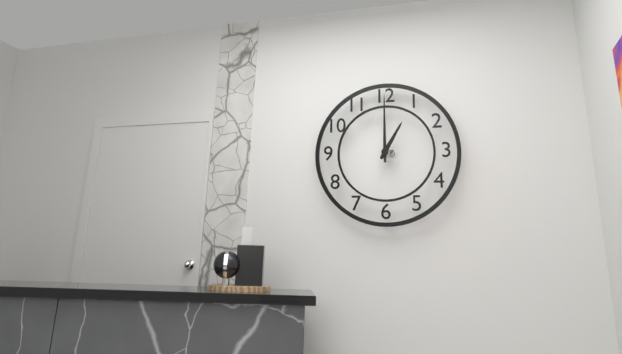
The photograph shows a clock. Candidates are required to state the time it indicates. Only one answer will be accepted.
1:00
